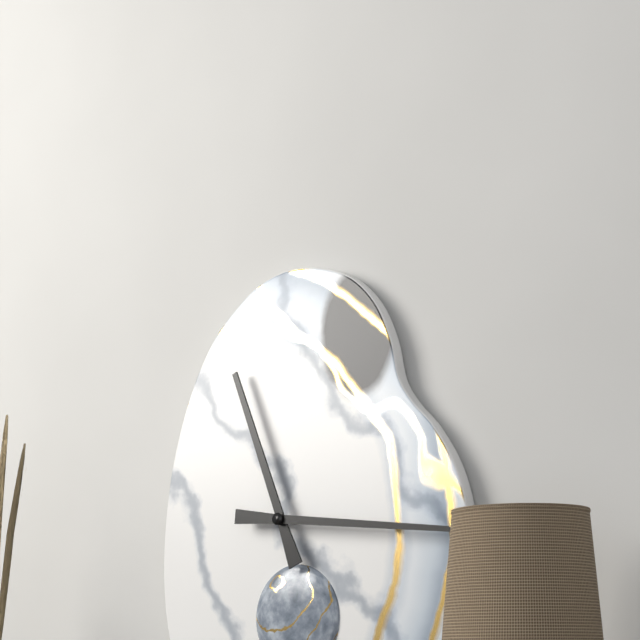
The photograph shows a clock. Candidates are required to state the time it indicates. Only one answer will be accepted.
11:16
